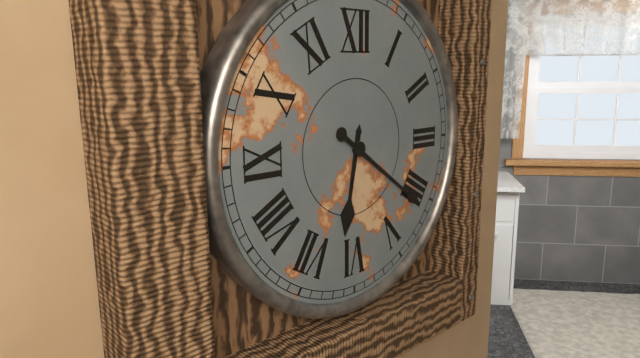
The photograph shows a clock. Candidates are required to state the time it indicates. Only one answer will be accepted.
6:21
